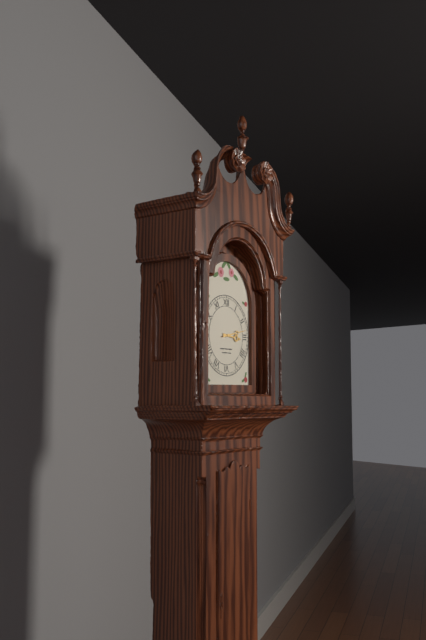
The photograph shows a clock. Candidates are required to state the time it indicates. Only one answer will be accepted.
3:13
